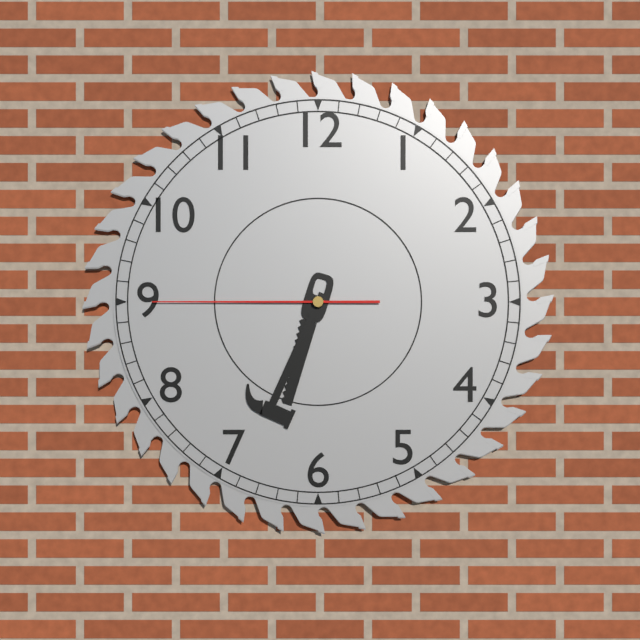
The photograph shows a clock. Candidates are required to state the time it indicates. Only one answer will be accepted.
6:34:45
